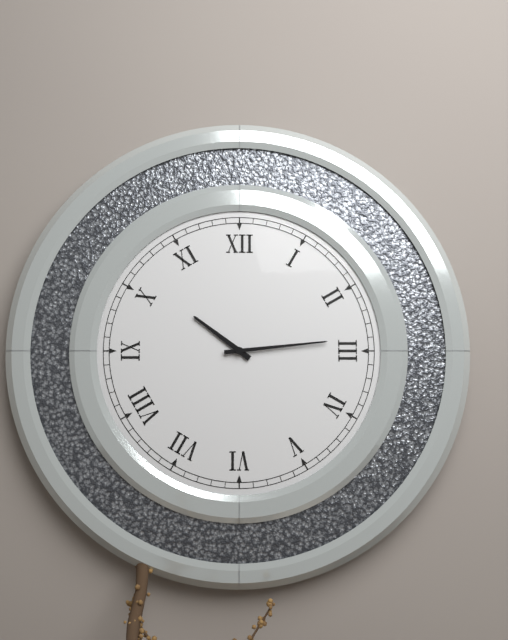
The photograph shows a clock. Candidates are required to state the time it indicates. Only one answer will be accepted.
10:14
